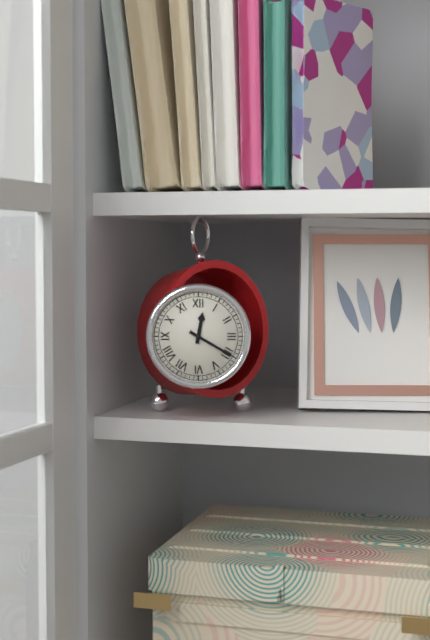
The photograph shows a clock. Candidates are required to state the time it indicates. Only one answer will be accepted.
12:20
